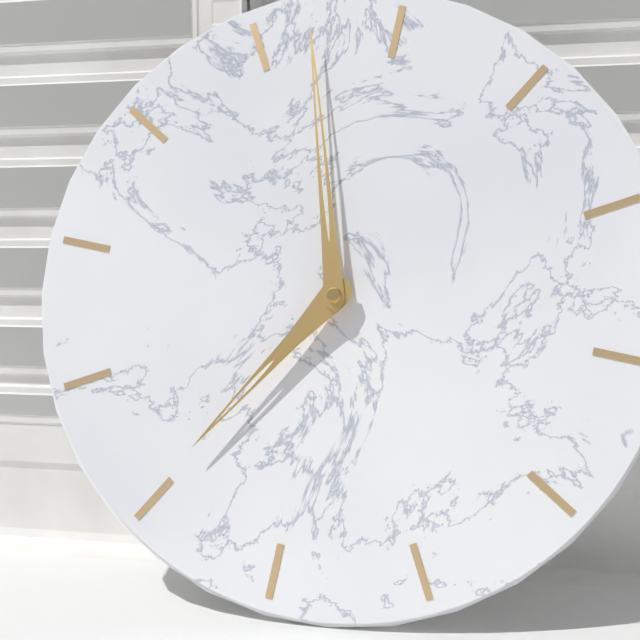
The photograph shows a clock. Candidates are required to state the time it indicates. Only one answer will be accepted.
8:02
